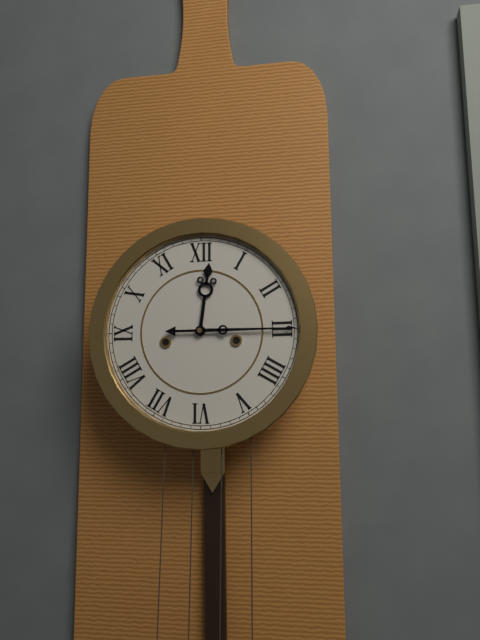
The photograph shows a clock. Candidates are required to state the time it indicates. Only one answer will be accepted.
12:15
